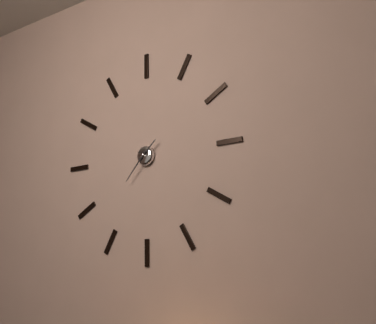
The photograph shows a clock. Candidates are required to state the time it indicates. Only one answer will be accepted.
1:37
